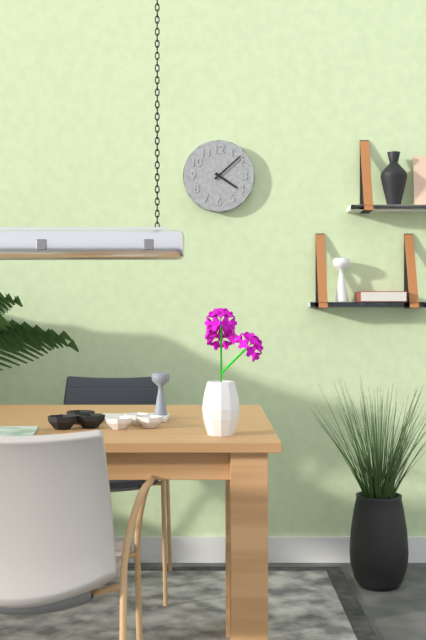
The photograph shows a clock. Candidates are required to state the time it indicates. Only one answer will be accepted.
4:08
